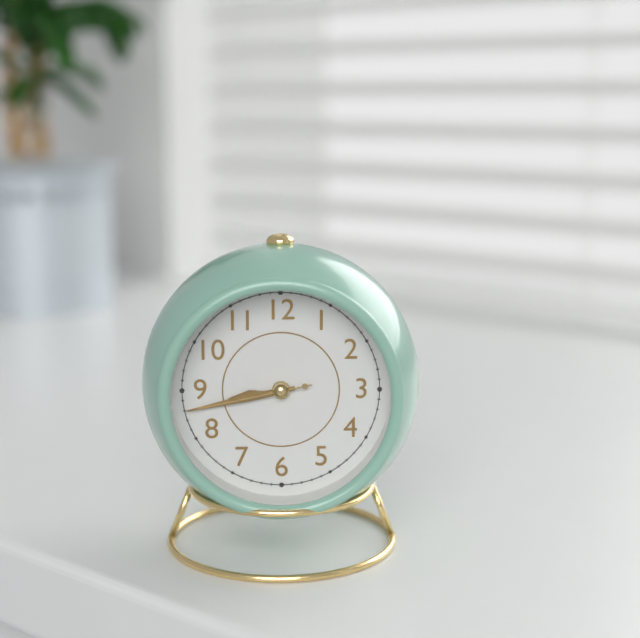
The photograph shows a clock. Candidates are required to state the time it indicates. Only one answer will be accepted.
8:43:43
